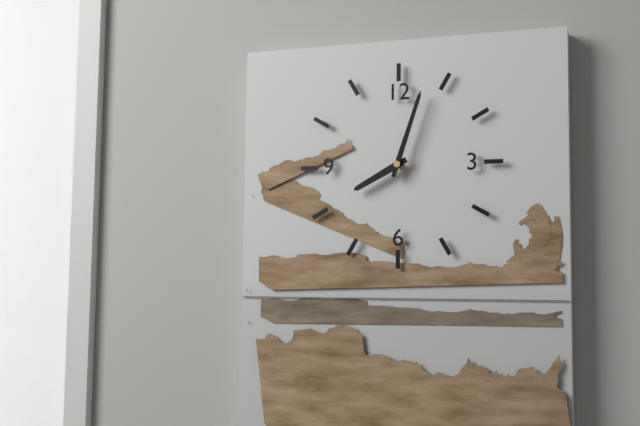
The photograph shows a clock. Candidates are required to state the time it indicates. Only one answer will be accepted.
8:03
